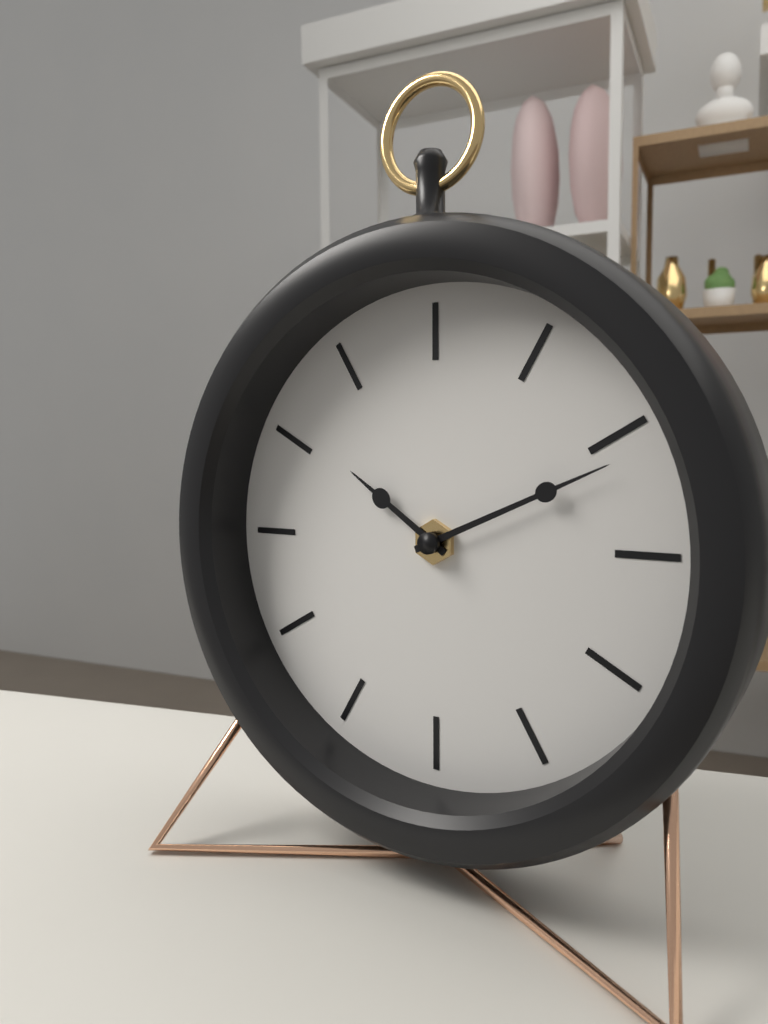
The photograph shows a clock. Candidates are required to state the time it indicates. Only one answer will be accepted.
10:11
